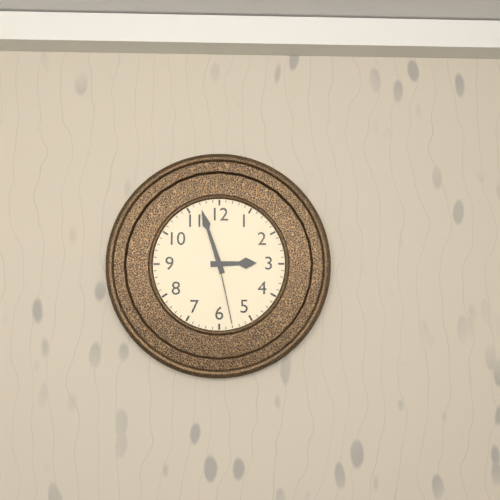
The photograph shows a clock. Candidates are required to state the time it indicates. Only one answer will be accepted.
2:57:28
